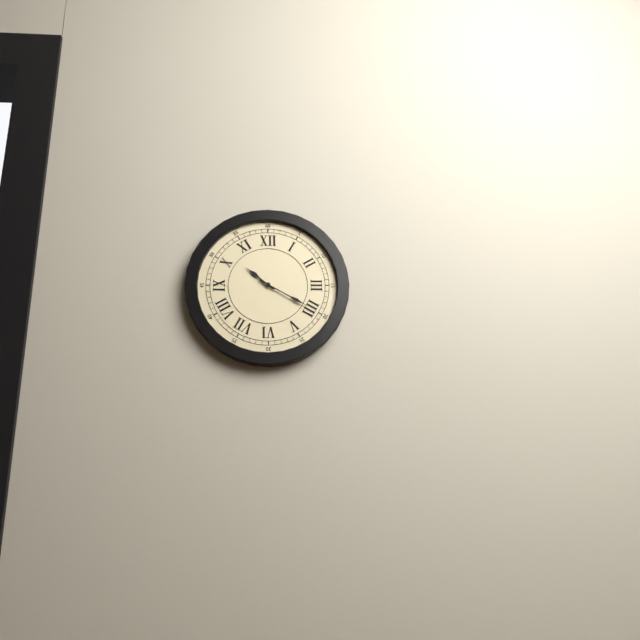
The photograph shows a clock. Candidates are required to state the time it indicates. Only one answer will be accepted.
10:20
